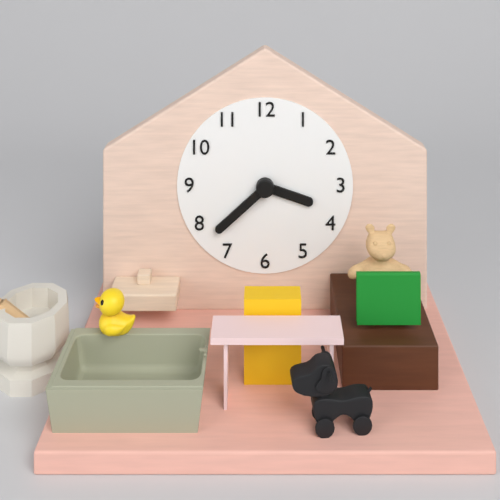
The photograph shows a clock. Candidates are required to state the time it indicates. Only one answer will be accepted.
3:38
